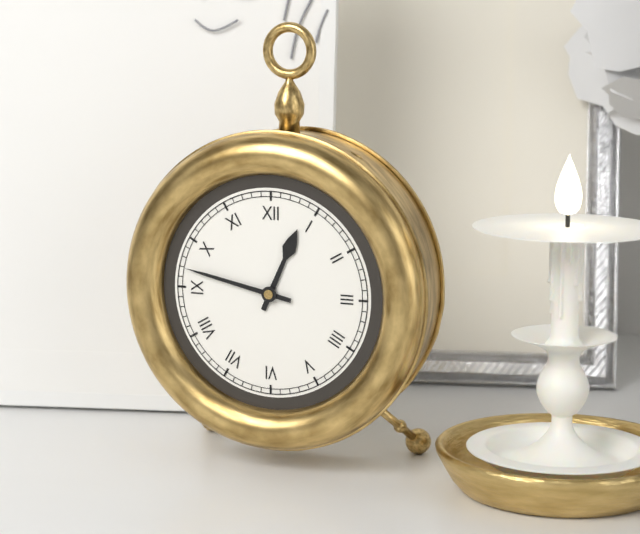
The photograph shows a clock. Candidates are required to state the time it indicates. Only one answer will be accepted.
12:47
